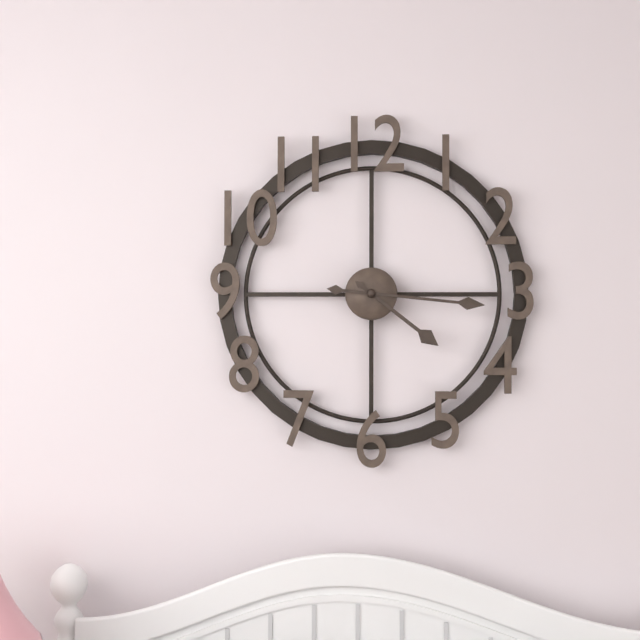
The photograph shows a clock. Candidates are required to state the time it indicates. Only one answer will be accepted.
4:16
